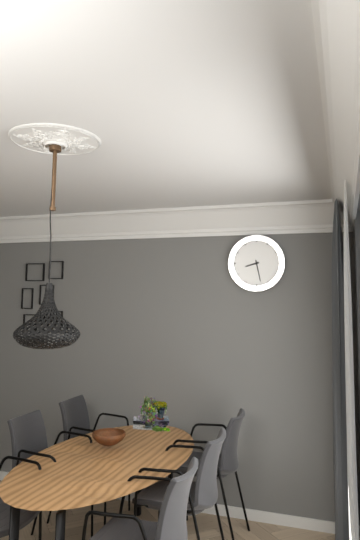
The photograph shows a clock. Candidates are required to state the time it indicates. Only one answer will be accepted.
8:28
